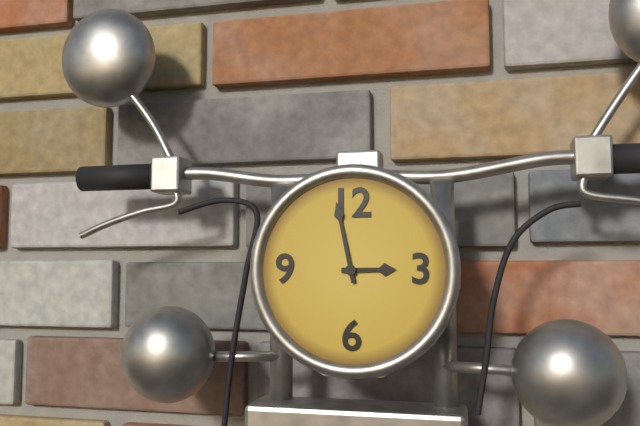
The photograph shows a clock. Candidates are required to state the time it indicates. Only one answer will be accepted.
2:58
